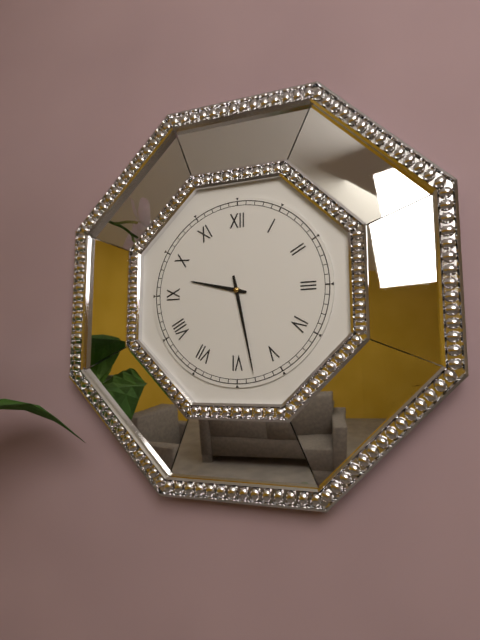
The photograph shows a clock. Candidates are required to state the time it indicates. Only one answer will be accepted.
9:28
